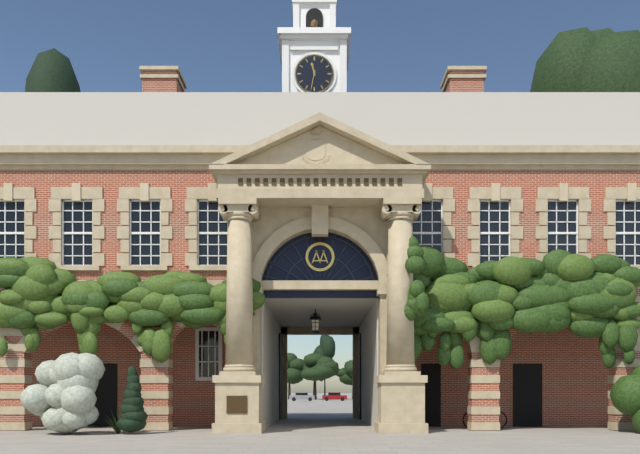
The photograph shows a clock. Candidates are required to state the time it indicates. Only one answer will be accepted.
11:32
